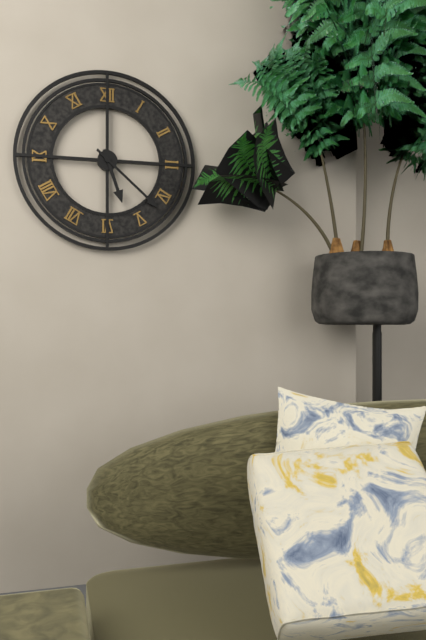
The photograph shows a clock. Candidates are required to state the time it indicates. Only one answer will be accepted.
5:22
